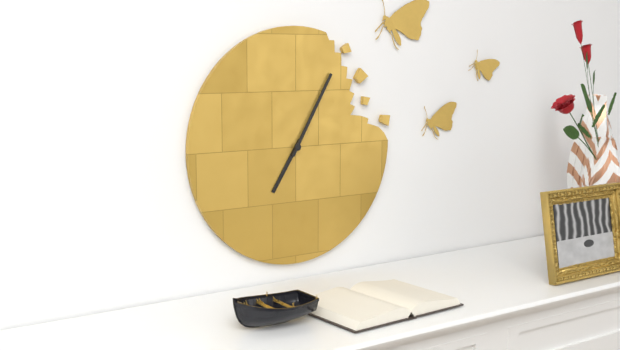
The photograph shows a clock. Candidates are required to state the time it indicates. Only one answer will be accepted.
7:05
